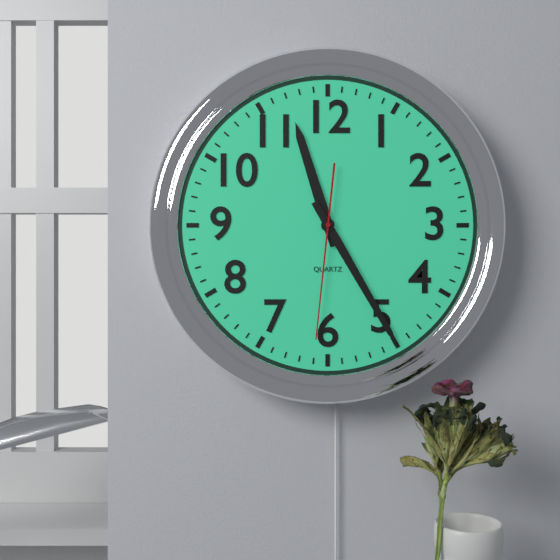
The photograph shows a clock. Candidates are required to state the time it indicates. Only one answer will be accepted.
11:25:31
